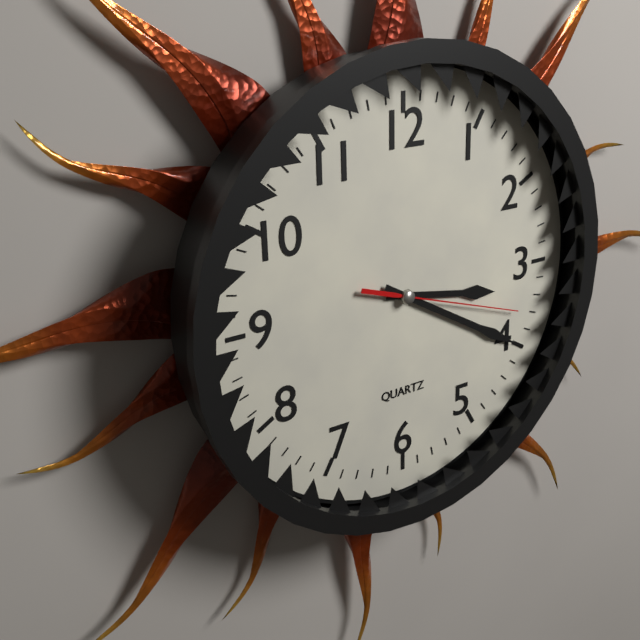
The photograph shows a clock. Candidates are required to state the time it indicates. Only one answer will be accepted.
3:20:18
